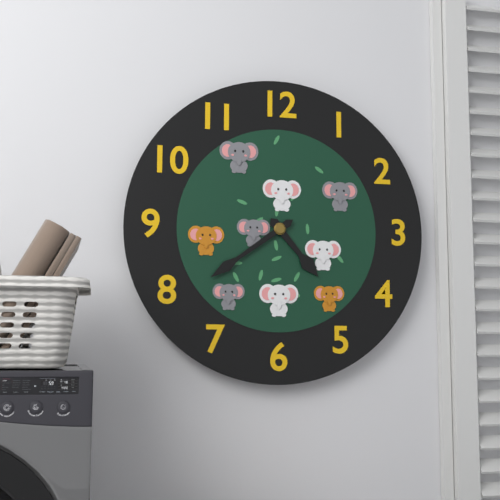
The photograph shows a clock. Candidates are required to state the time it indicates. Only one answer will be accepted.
4:39
